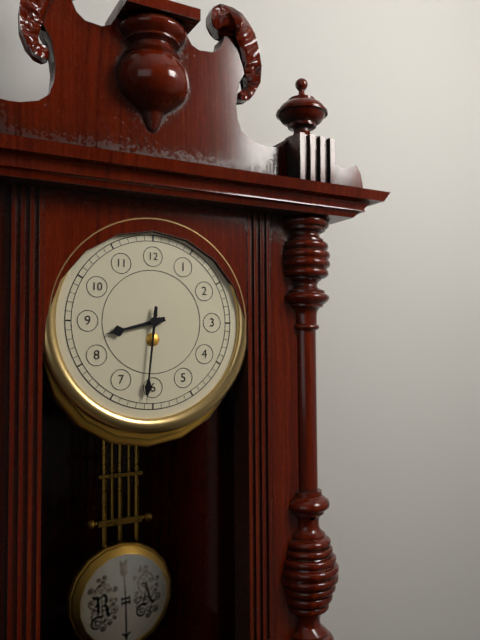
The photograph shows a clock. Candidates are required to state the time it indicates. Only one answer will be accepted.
8:31
